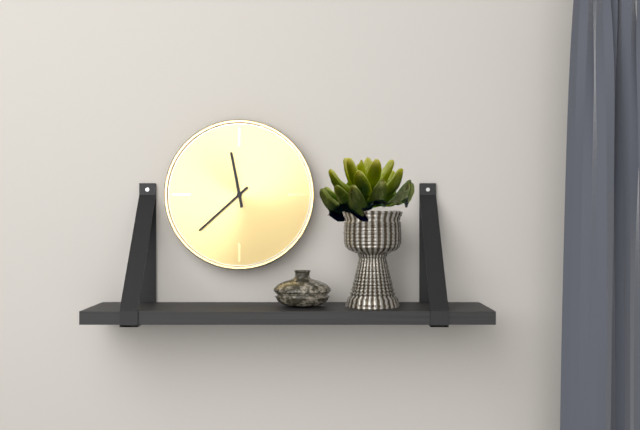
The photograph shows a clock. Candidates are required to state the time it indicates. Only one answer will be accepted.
11:38
